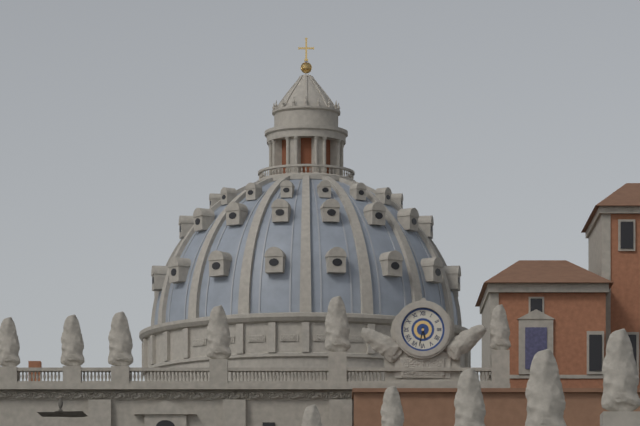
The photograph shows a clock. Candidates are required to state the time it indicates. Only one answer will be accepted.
5:32
